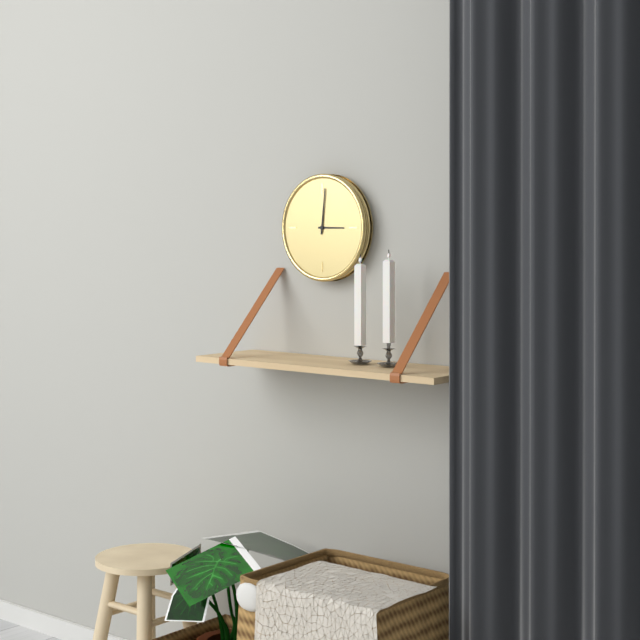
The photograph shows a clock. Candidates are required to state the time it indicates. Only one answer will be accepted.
3:01
